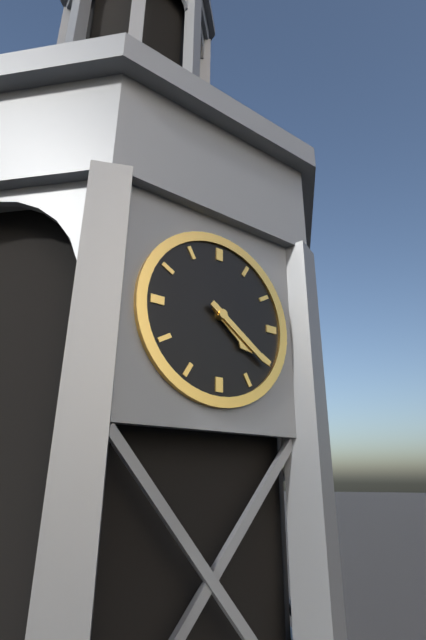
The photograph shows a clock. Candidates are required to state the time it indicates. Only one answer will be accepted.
4:21
